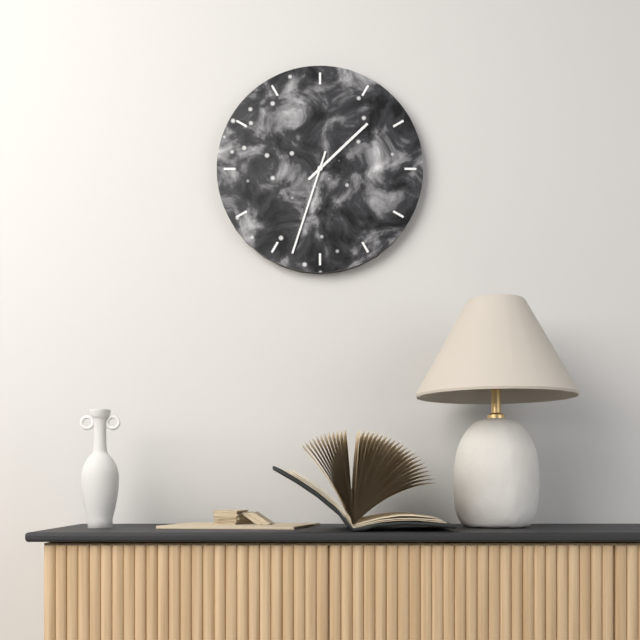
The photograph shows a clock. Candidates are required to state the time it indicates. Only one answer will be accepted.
1:33
